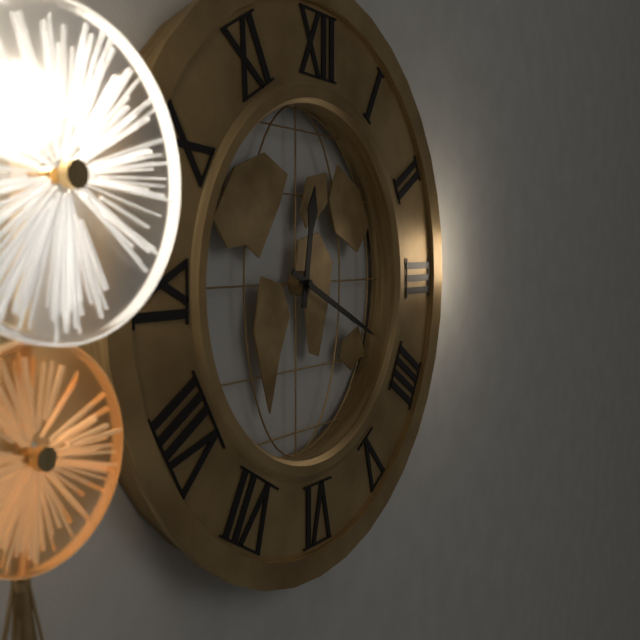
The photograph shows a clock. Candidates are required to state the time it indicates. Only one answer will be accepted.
12:19
